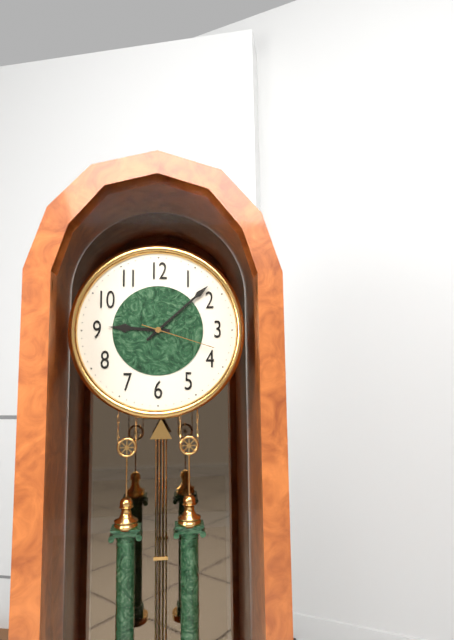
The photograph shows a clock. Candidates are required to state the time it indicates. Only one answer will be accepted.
9:08:18
